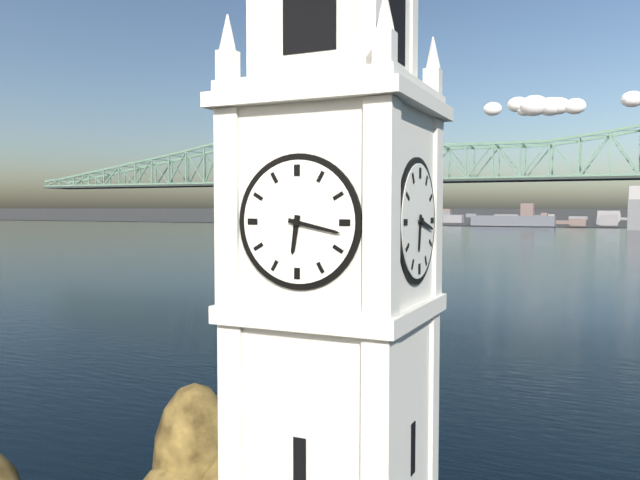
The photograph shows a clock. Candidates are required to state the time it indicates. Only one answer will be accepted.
6:17
